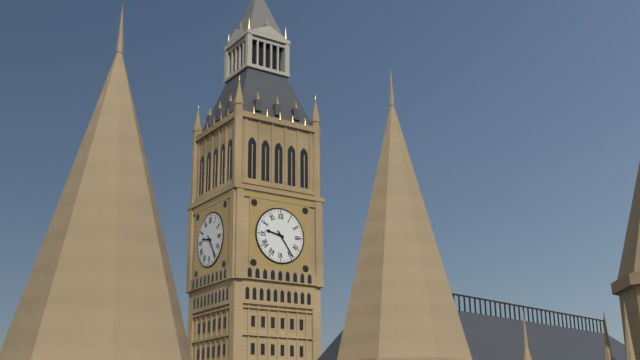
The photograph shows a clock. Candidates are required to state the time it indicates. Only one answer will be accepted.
9:24
